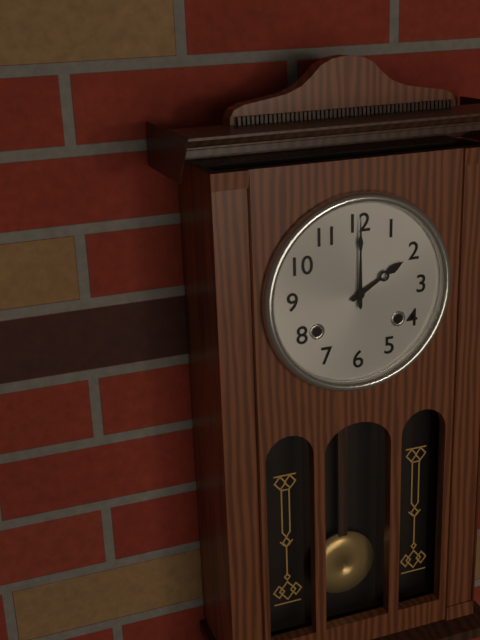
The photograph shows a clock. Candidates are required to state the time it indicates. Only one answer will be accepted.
2:00
